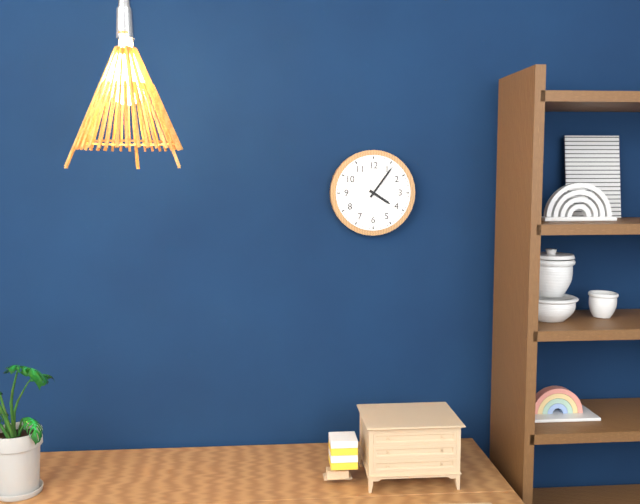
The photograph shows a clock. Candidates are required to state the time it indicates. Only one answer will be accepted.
4:06
